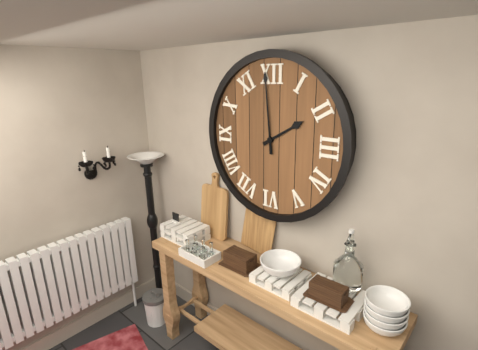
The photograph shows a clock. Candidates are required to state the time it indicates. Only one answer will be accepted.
1:59
